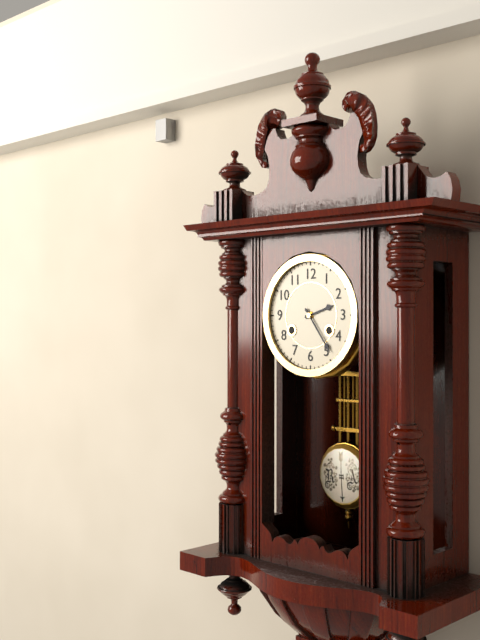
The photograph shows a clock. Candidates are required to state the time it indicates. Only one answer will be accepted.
2:24
